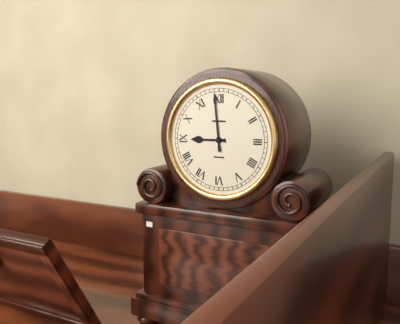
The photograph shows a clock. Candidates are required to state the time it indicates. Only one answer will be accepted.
8:59
